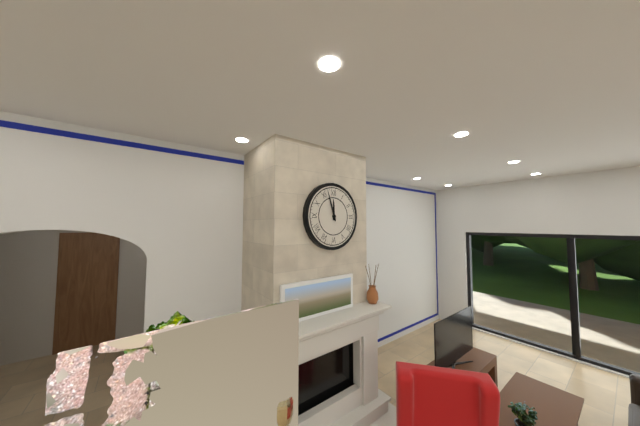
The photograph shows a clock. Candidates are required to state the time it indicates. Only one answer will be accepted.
11:57
